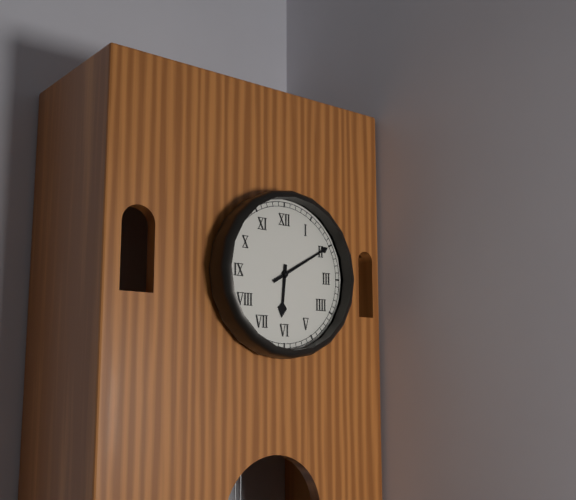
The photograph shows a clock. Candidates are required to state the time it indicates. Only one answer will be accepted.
6:10
